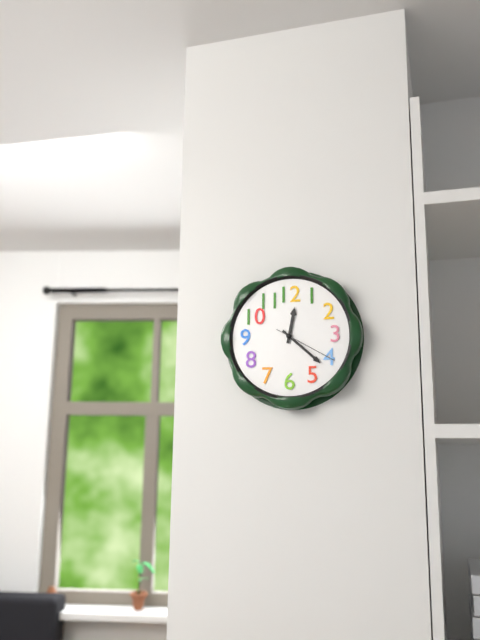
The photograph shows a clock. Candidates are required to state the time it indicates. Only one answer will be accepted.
12:22:20
